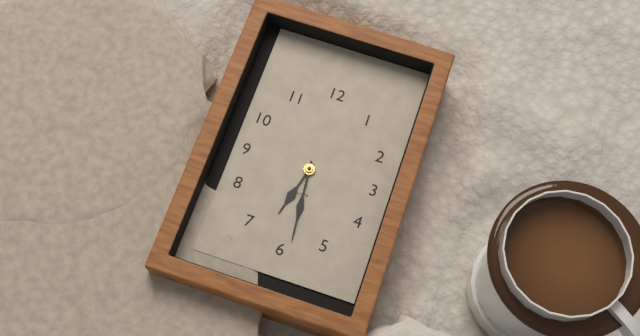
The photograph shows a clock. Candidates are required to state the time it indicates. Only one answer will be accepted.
6:29
